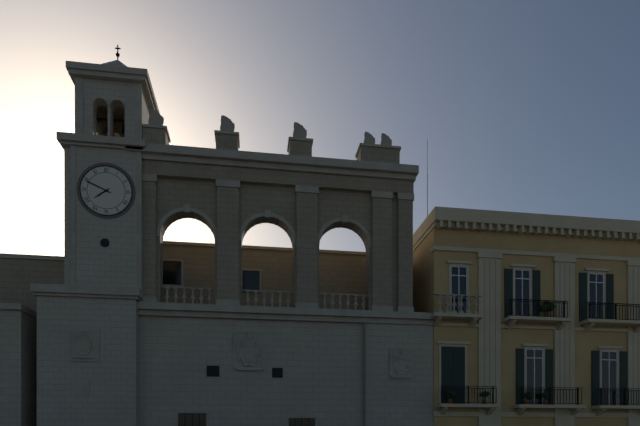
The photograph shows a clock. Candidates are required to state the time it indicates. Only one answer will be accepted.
7:49
